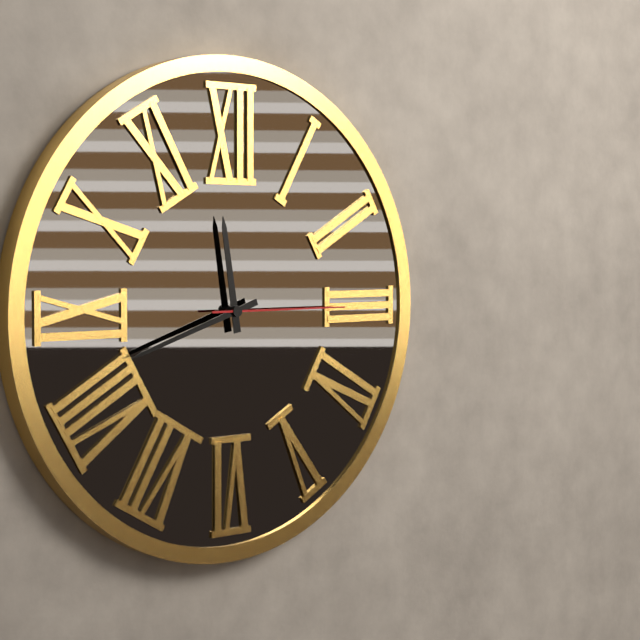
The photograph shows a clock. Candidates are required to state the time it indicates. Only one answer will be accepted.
11:42:15
